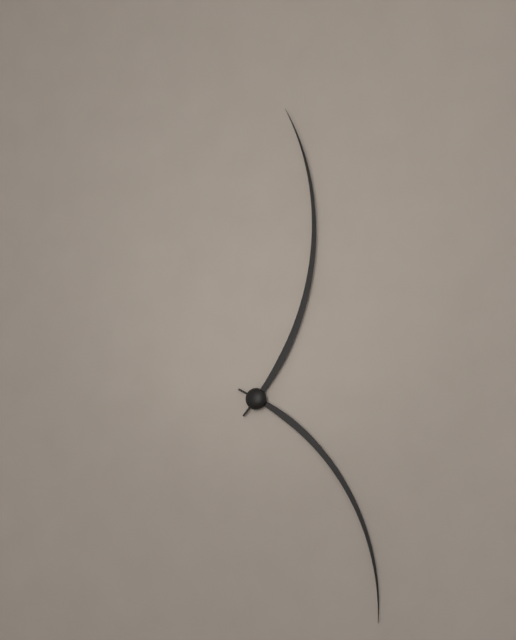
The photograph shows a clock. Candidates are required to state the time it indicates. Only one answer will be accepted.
5:01
